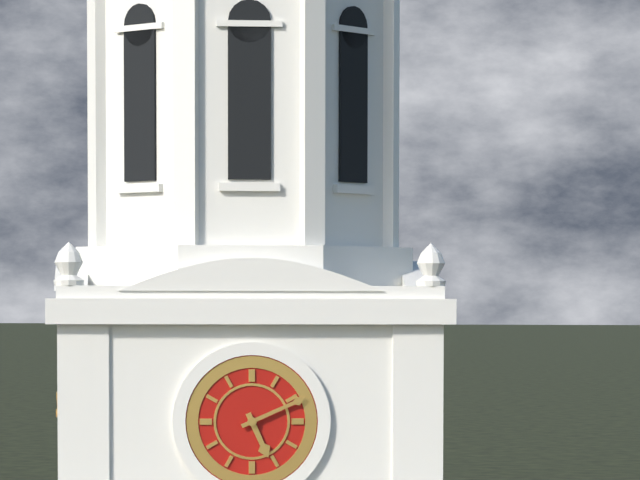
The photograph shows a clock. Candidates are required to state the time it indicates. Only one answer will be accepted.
5:11
